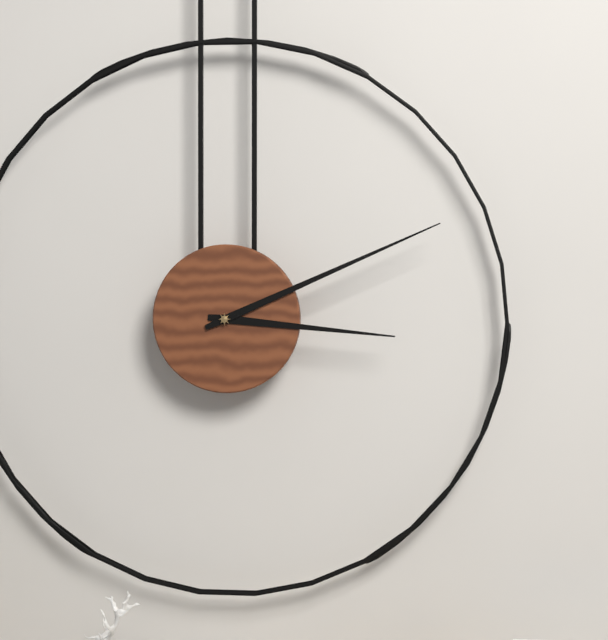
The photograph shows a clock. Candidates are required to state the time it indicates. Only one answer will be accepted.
3:11
